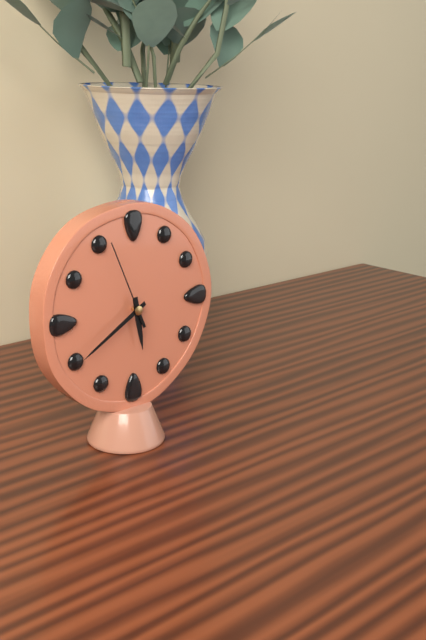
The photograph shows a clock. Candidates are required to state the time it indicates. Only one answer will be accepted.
5:40:56
